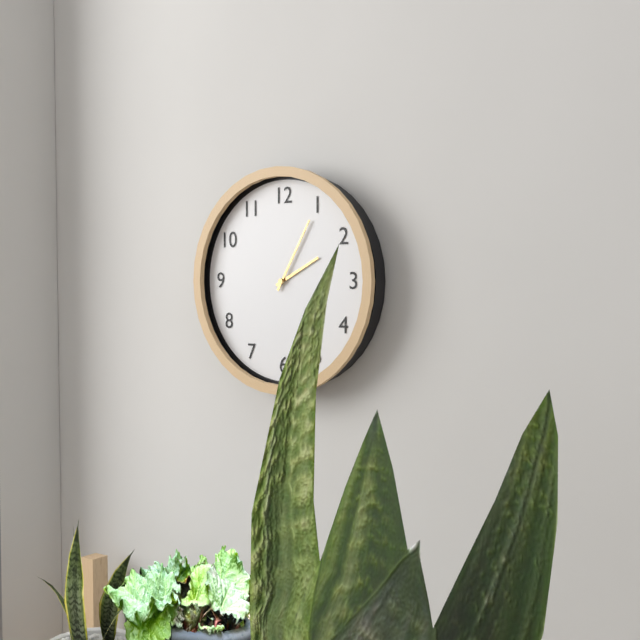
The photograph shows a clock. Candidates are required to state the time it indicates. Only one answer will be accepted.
2:05
